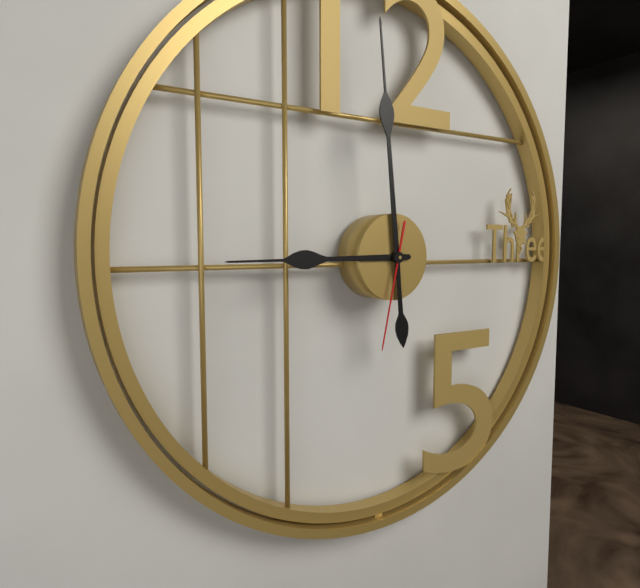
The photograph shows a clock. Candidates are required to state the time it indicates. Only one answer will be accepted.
8:59:32
